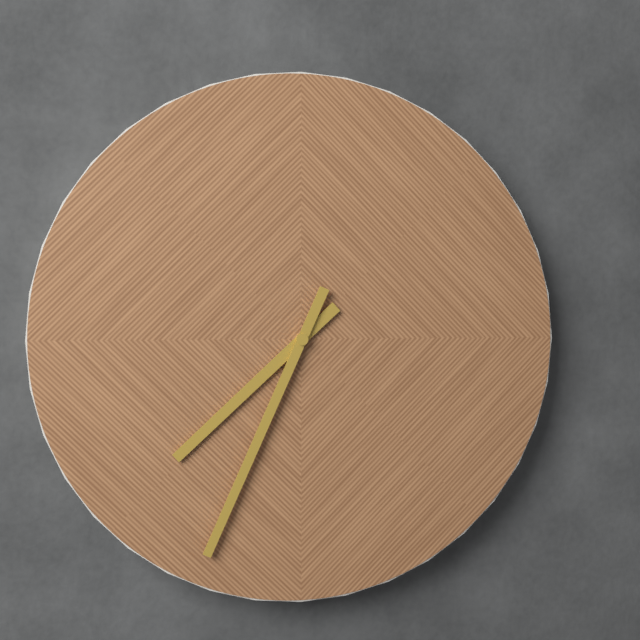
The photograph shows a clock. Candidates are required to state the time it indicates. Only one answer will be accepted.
7:34
